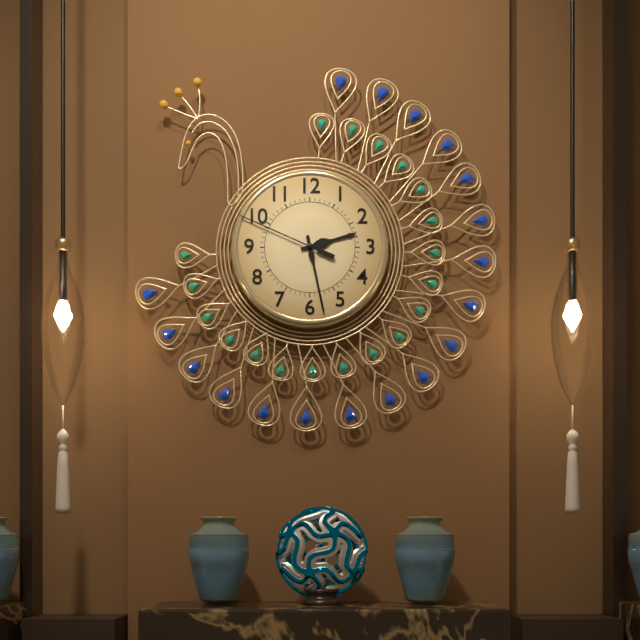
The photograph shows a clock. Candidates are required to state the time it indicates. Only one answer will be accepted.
2:28:49
